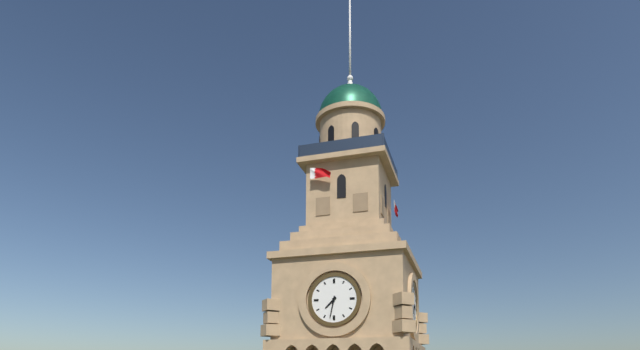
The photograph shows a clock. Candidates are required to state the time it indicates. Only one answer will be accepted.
7:32
